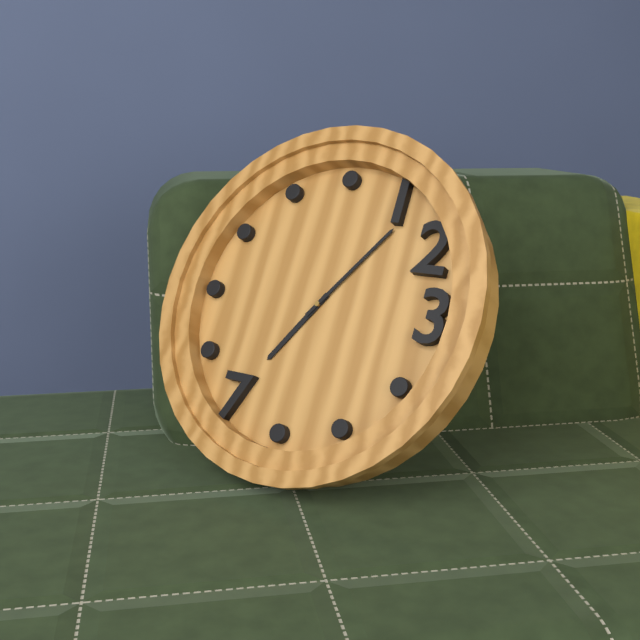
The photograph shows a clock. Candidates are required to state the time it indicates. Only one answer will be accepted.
7:06
